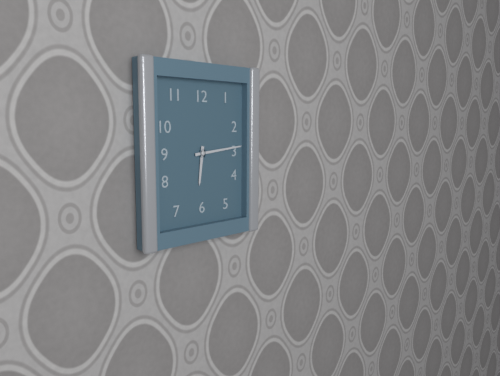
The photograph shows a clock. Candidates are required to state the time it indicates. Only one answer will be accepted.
6:14
